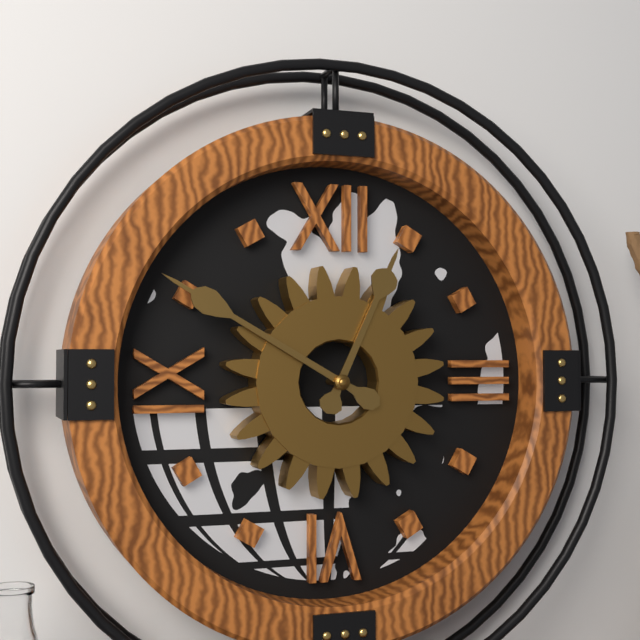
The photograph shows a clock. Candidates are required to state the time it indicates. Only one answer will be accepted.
12:50
